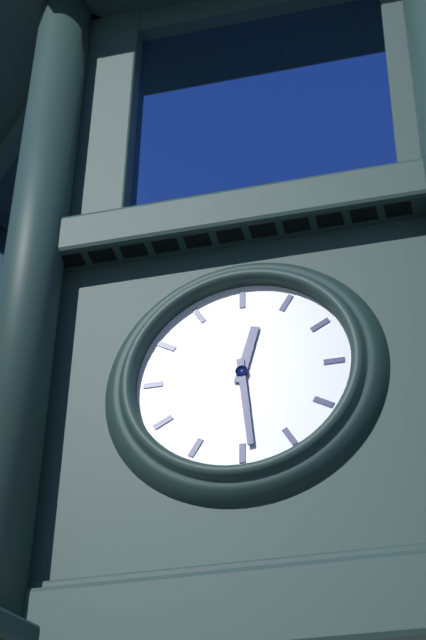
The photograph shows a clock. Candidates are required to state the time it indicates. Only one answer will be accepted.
12:29
